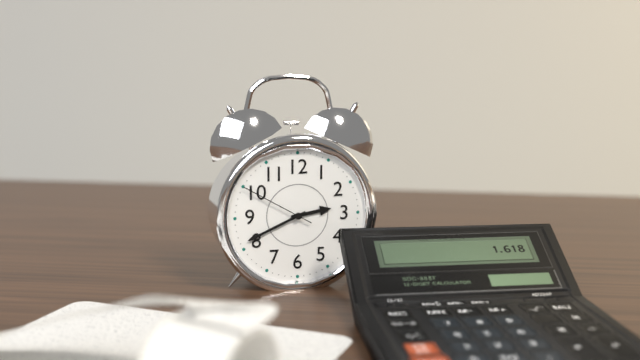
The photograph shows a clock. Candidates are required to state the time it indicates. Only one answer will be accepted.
2:41:50
